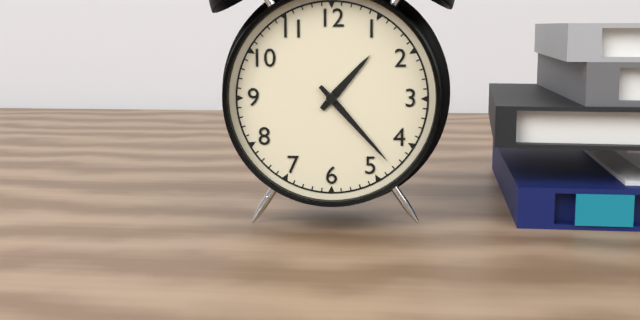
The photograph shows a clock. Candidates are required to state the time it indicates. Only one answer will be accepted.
1:23
